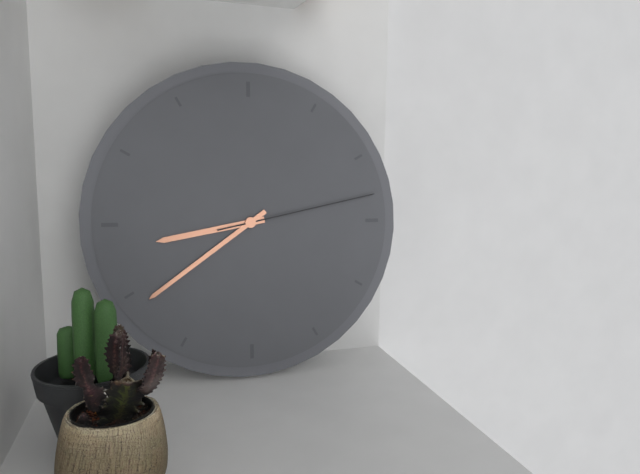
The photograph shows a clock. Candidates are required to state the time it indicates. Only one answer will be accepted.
8:39:13
